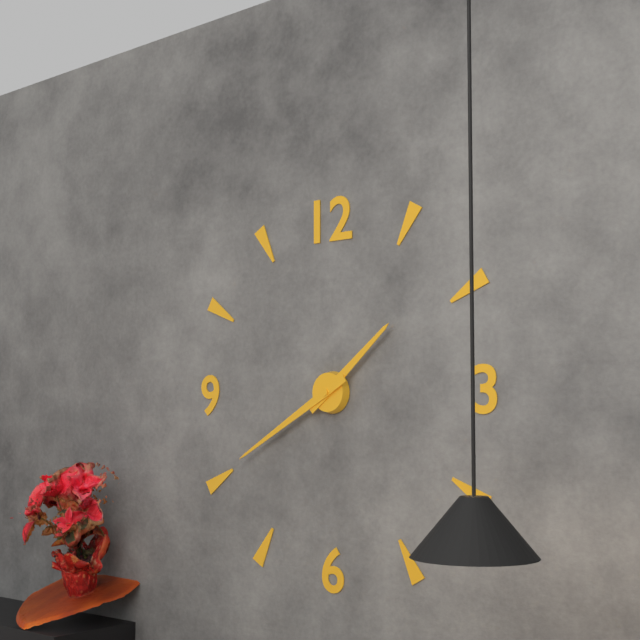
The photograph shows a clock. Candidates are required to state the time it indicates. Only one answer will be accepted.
1:40
